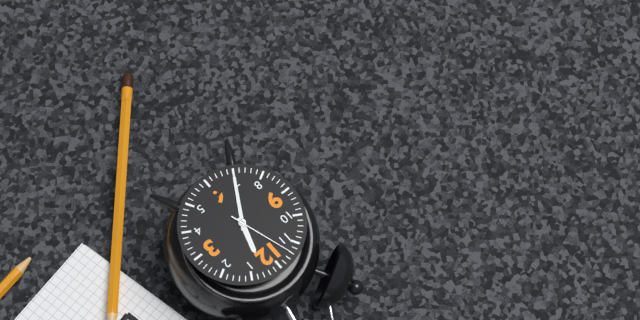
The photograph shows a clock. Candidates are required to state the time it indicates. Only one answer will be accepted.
12:35:57
